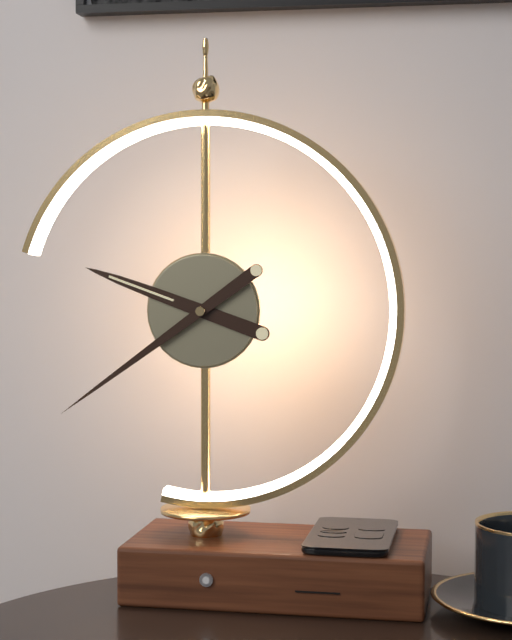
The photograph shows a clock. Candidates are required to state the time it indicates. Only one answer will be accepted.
9:39
